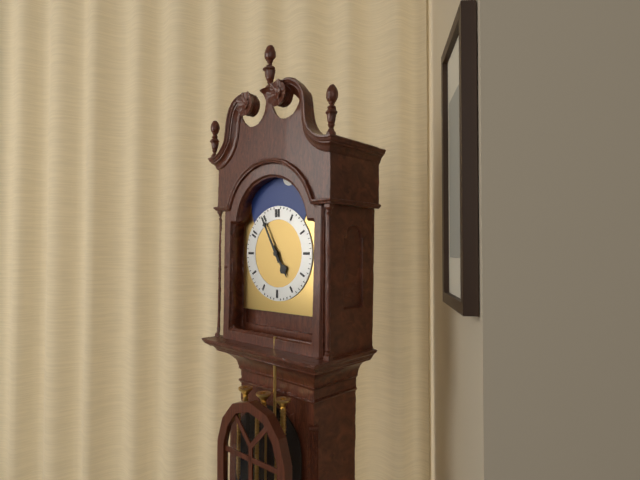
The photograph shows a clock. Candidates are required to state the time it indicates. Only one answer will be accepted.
4:55
